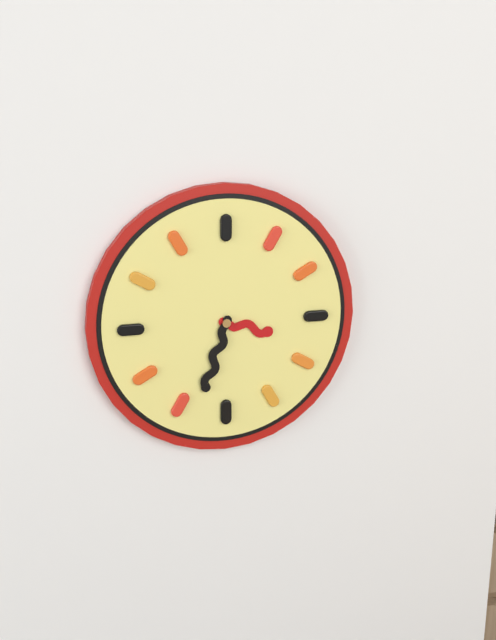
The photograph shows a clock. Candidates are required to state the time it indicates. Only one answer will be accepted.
3:33
